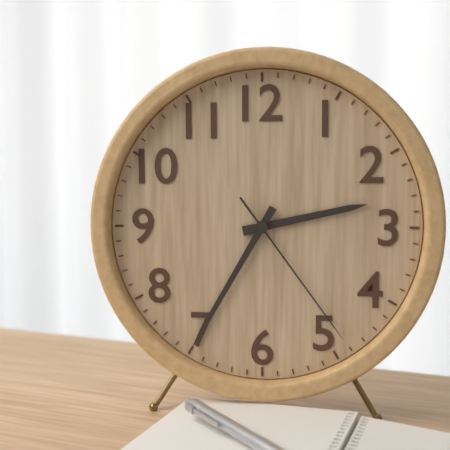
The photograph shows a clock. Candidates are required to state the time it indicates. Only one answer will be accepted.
2:35:24
